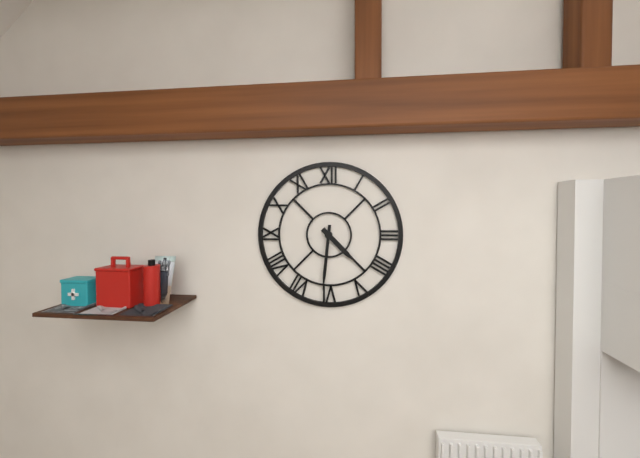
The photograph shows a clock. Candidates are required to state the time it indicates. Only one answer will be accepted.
4:31
